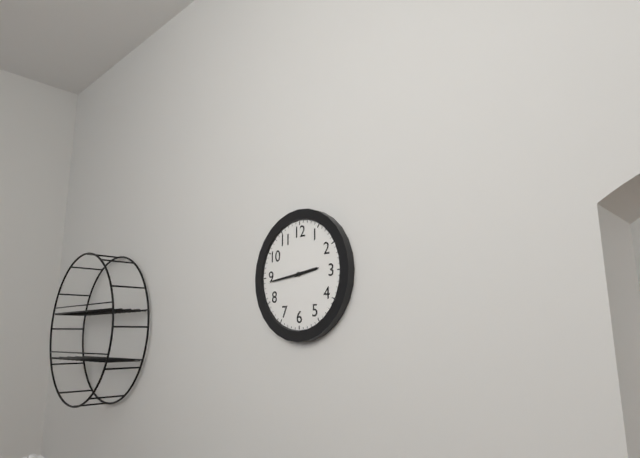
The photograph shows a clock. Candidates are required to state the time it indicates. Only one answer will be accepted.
2:44
